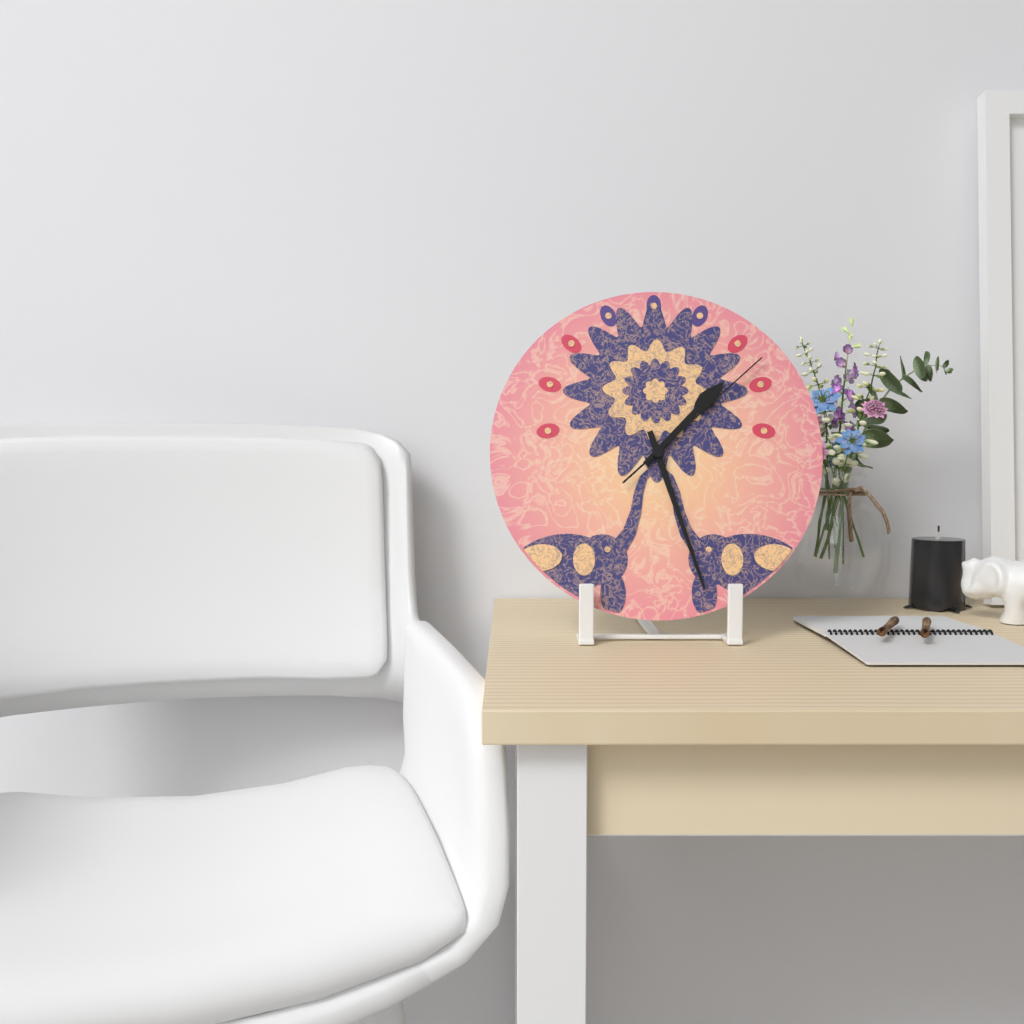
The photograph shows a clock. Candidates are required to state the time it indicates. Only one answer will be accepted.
1:27:08
